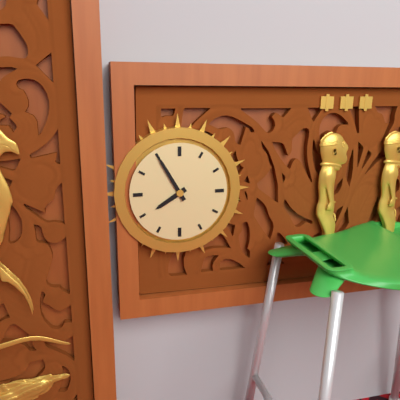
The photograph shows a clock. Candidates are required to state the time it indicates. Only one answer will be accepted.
7:55
